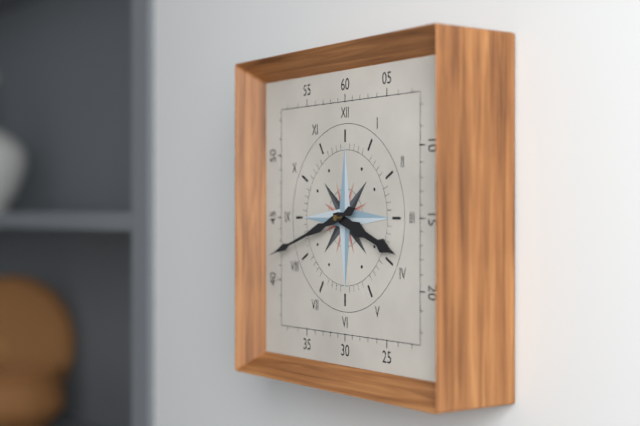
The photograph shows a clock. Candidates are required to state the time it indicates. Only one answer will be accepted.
3:42
